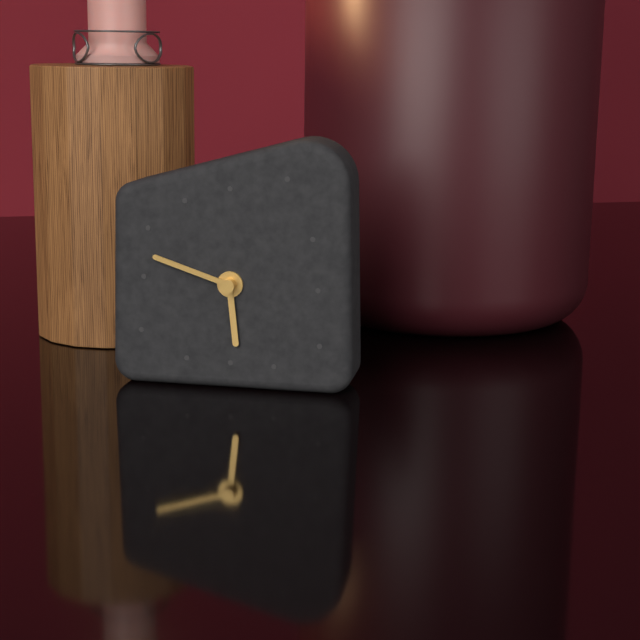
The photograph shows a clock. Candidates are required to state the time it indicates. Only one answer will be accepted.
5:48
